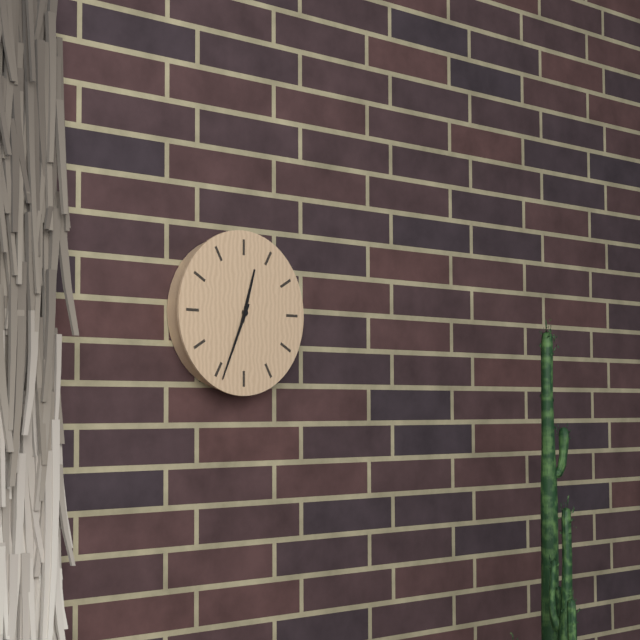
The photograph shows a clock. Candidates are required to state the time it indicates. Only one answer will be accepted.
12:34
